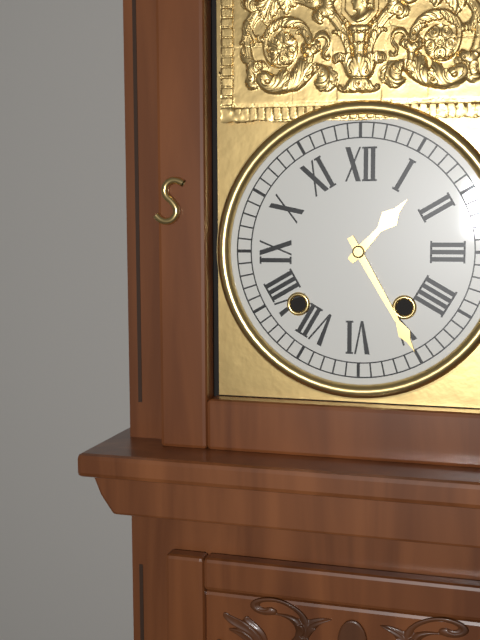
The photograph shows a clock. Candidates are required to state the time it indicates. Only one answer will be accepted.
1:25
